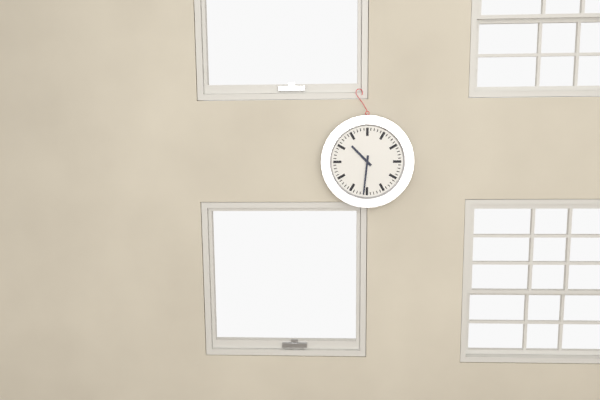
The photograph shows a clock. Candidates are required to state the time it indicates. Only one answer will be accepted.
10:31
